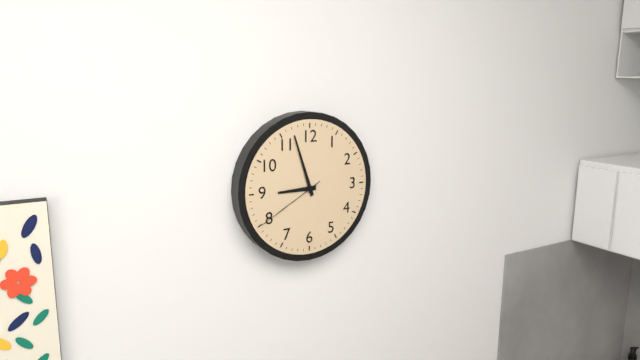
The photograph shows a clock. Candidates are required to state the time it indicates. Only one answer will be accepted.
8:57:40
